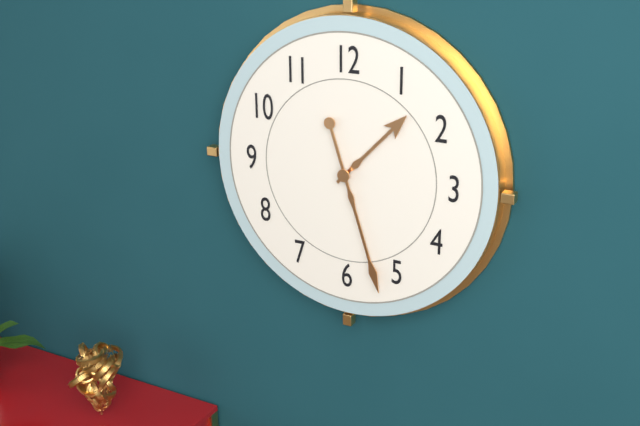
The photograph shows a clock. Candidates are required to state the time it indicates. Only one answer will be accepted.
1:27
